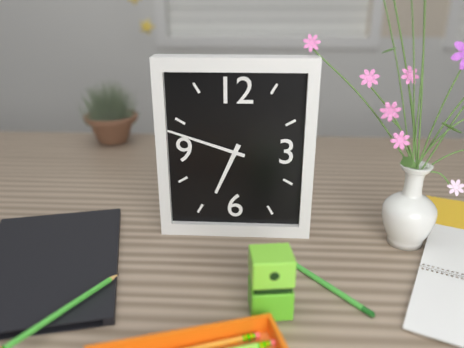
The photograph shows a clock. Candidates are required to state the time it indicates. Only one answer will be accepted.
6:48
